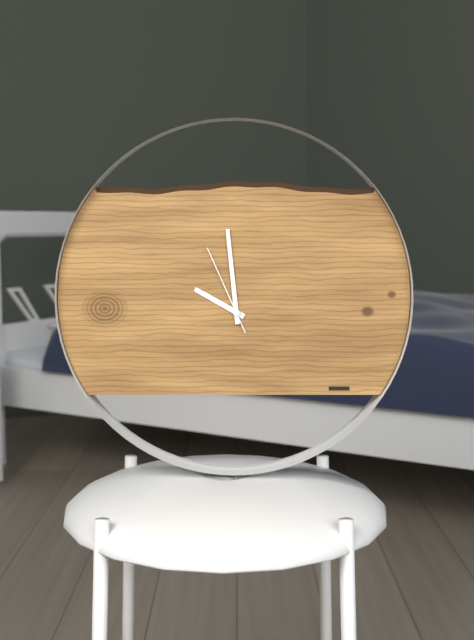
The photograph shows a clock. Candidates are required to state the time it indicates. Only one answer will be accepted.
9:59:56
